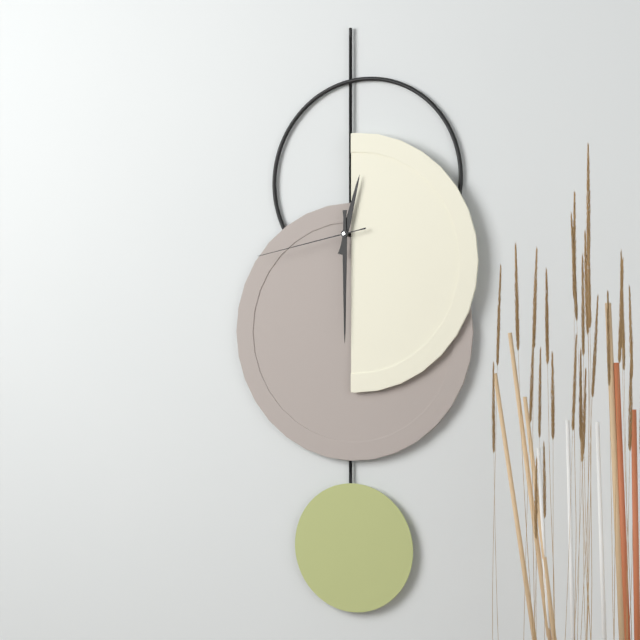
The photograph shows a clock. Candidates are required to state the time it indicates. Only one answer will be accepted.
12:30:43
